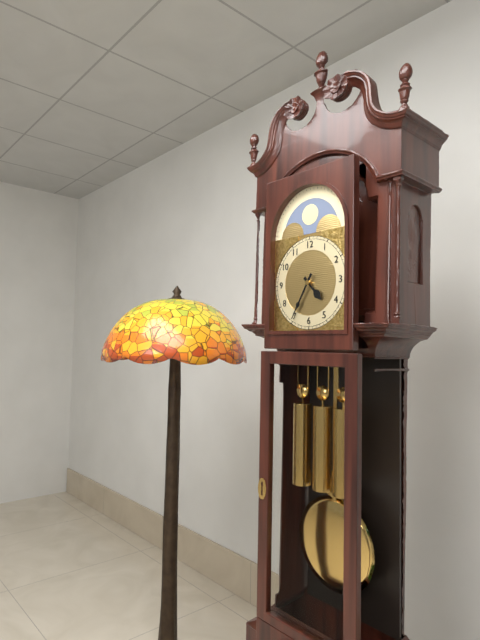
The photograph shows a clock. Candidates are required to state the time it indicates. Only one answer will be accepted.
4:35
